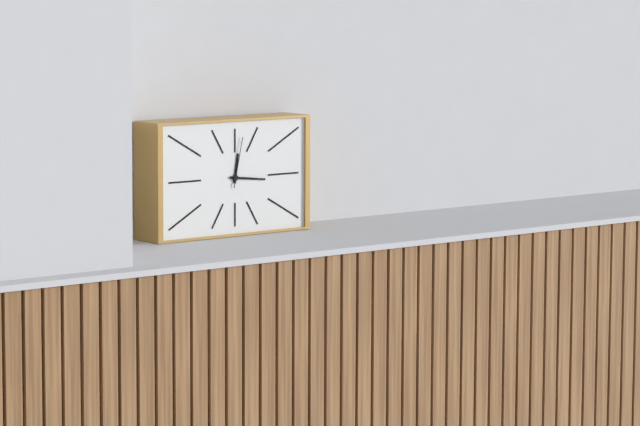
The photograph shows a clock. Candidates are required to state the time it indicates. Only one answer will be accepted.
12:16:02
